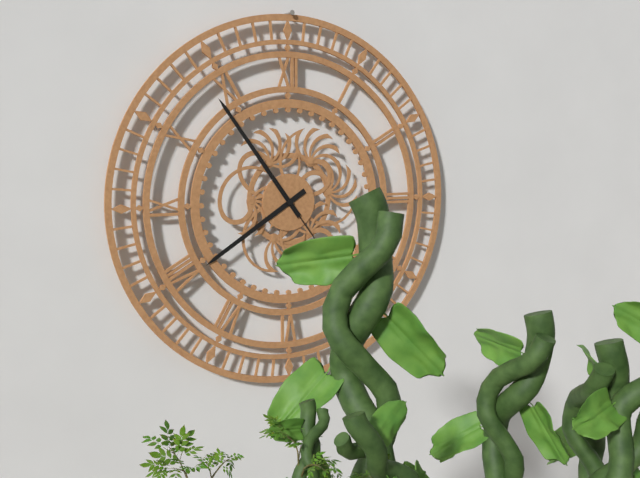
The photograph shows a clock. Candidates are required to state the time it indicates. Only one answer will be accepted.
7:54
